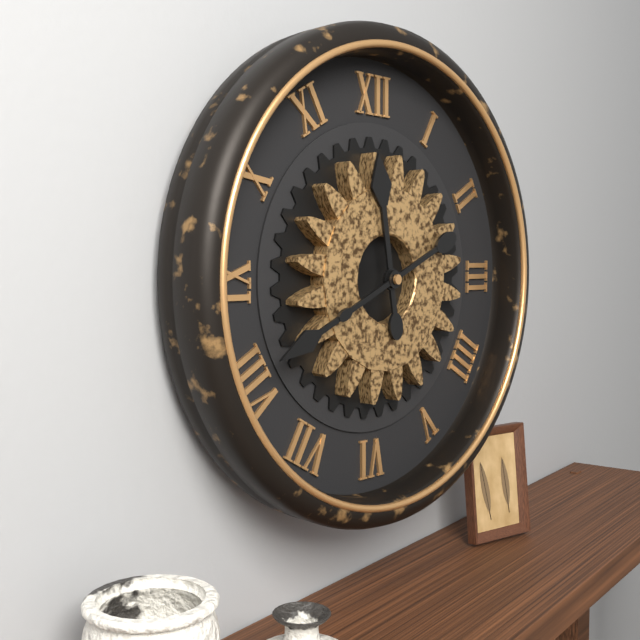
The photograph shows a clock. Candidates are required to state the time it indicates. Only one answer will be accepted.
11:41
